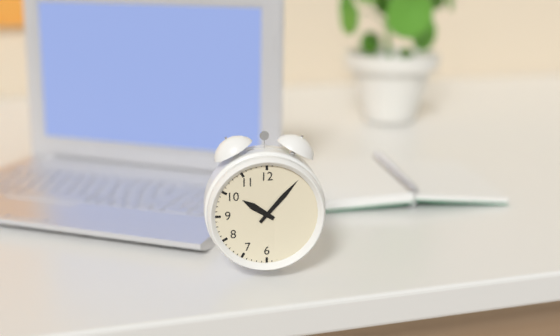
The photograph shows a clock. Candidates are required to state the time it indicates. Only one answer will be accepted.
10:07
